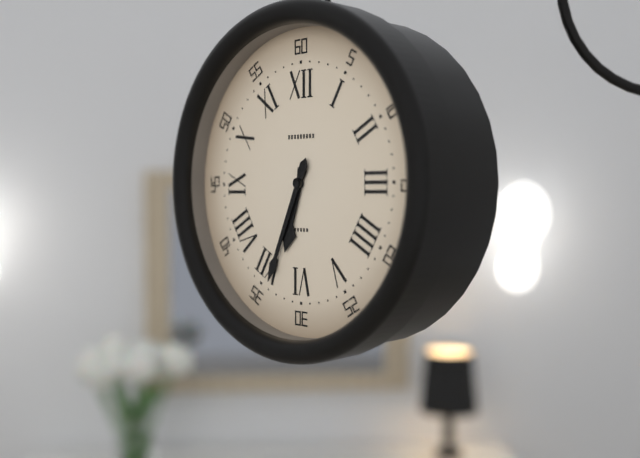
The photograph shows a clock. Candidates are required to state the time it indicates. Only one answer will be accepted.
6:34
